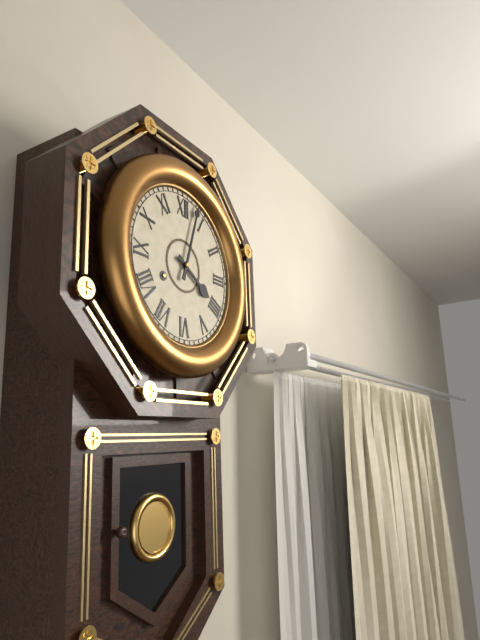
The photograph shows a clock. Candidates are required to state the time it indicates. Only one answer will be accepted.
4:03
